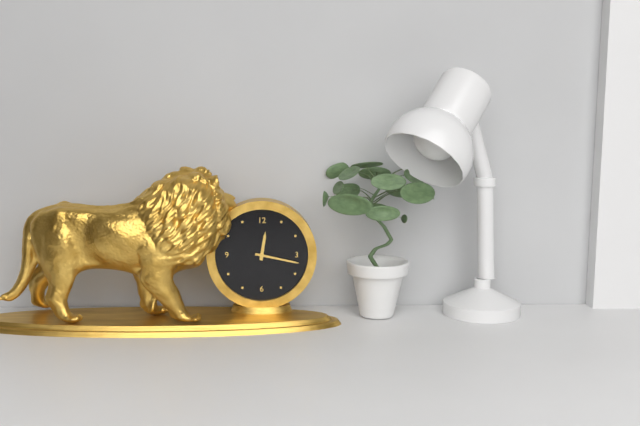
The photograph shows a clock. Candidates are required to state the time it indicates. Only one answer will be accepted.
12:17
